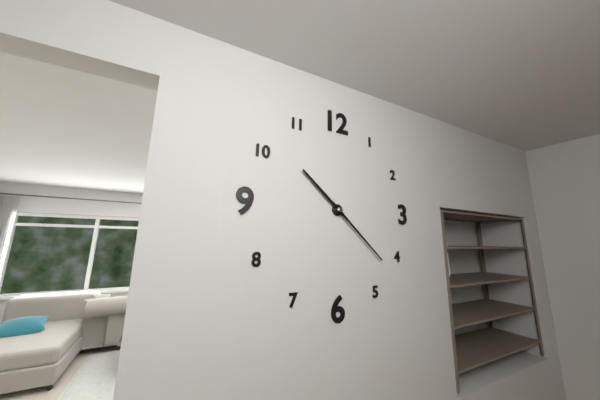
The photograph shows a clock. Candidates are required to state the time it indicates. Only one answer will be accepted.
10:22
